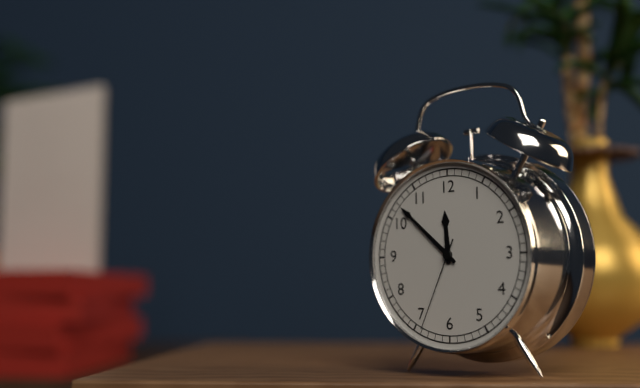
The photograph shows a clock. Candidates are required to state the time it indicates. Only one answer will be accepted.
11:52:34
